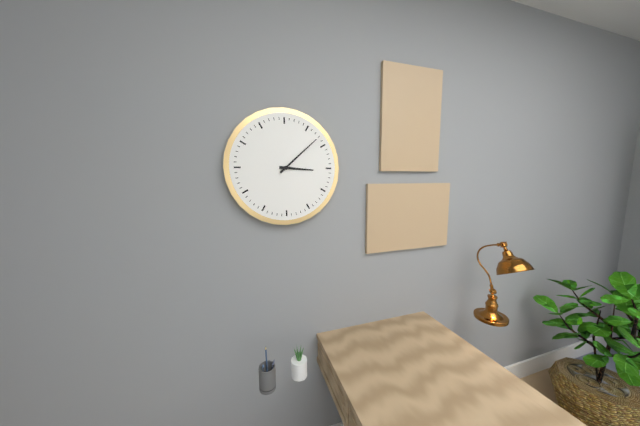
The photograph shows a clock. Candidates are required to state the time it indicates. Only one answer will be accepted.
3:08
